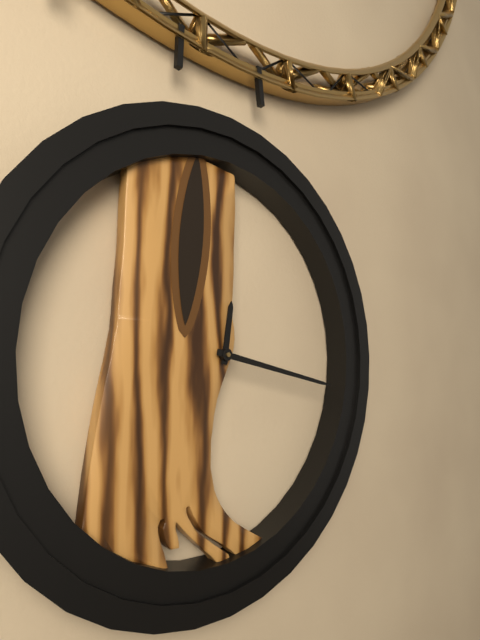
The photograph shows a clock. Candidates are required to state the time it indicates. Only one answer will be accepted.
12:17
